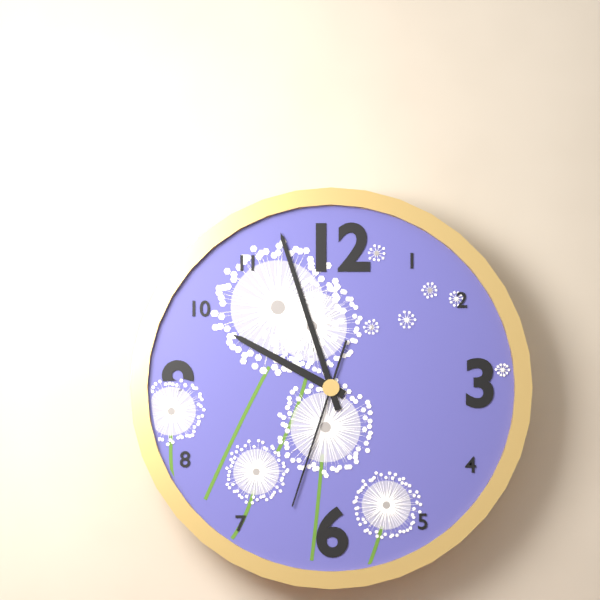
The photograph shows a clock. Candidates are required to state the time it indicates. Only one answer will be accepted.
9:57:33
